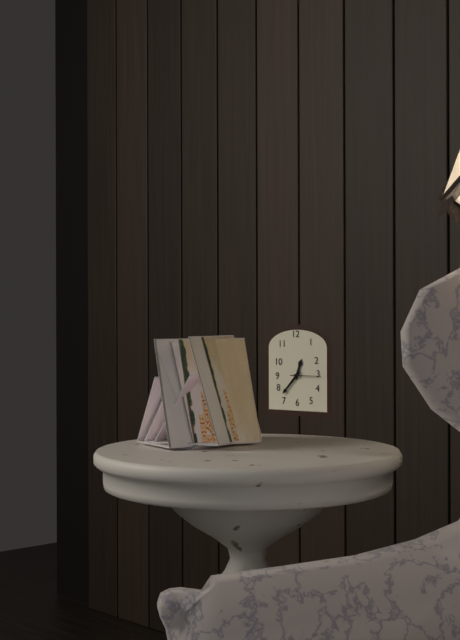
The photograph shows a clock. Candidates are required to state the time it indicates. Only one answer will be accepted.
12:37
